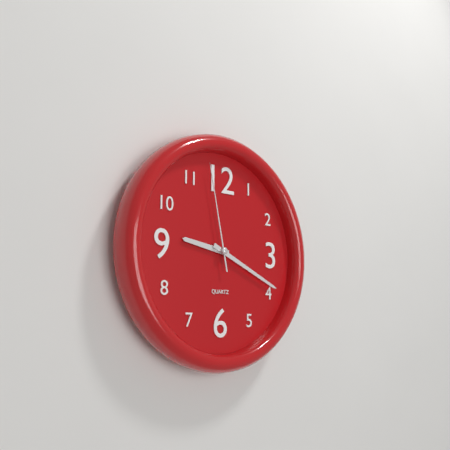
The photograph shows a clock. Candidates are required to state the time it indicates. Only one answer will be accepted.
9:19:58
